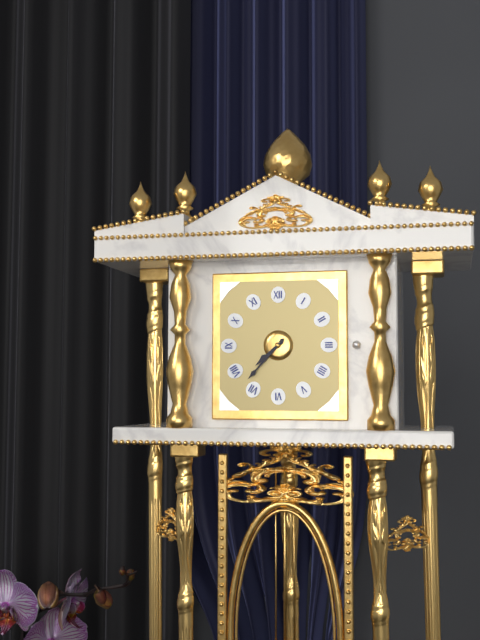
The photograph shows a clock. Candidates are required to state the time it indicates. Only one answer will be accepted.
7:37
